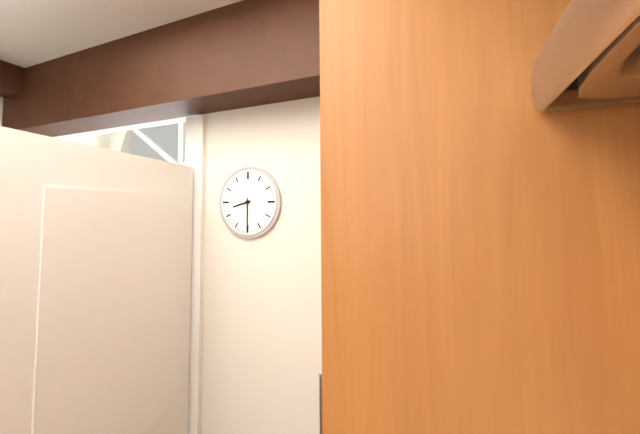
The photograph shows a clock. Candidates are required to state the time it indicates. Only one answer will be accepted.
8:30
